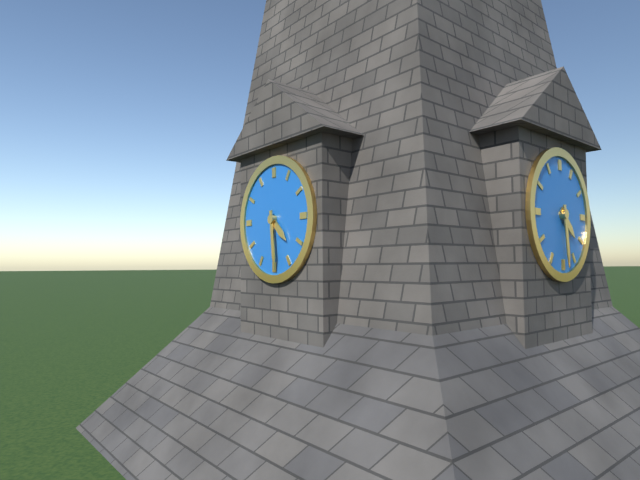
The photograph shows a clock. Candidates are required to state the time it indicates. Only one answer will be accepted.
4:29
